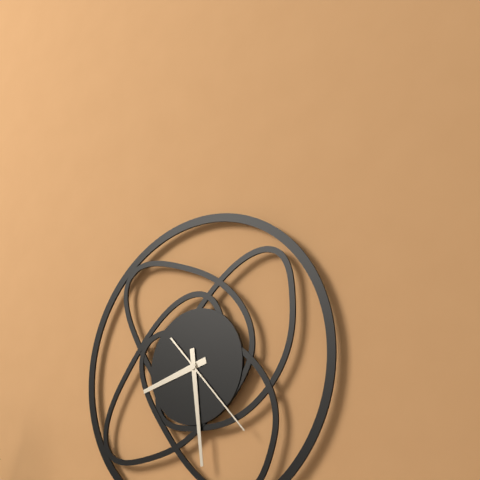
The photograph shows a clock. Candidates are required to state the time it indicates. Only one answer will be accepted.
8:29:23
